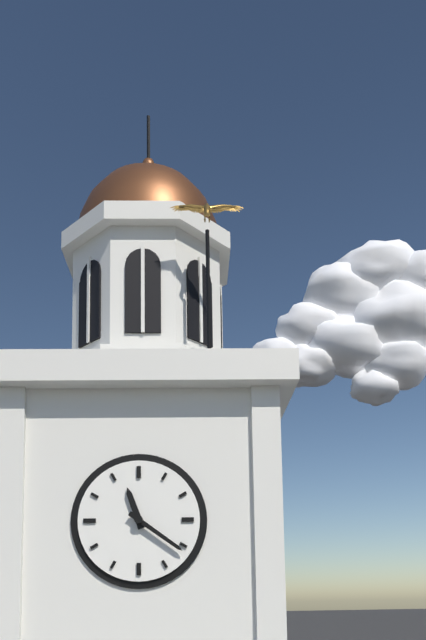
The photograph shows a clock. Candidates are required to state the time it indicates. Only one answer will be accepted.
11:21
